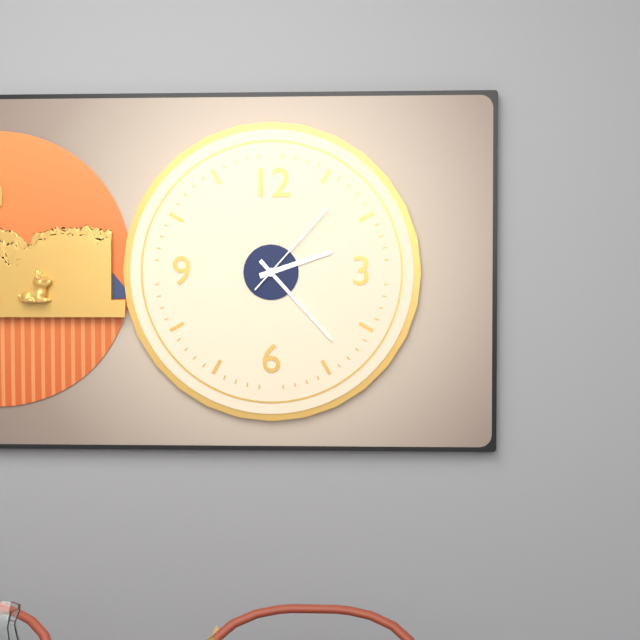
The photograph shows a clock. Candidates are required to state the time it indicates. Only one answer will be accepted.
2:23:07
